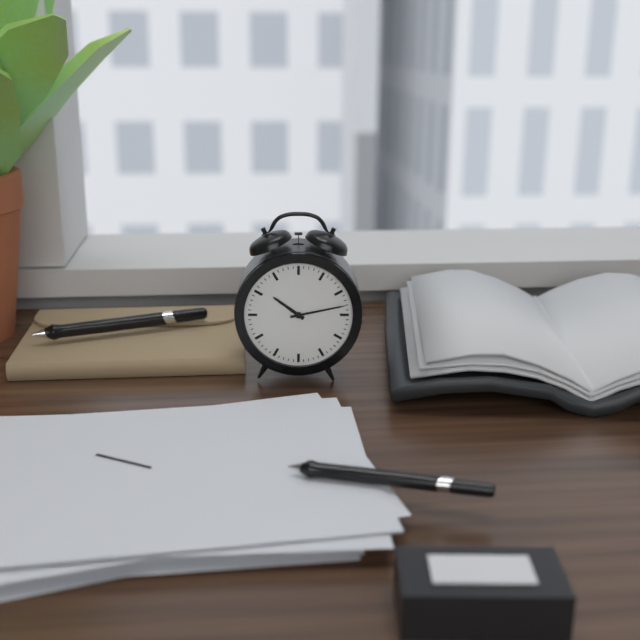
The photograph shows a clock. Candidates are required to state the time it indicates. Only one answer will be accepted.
10:13
